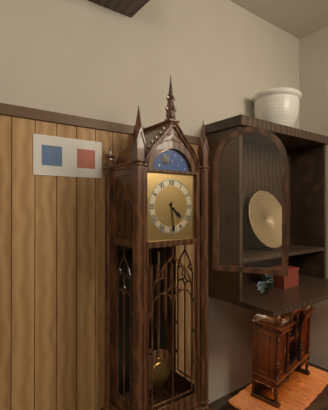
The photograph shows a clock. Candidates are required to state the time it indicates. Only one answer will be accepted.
4:29
